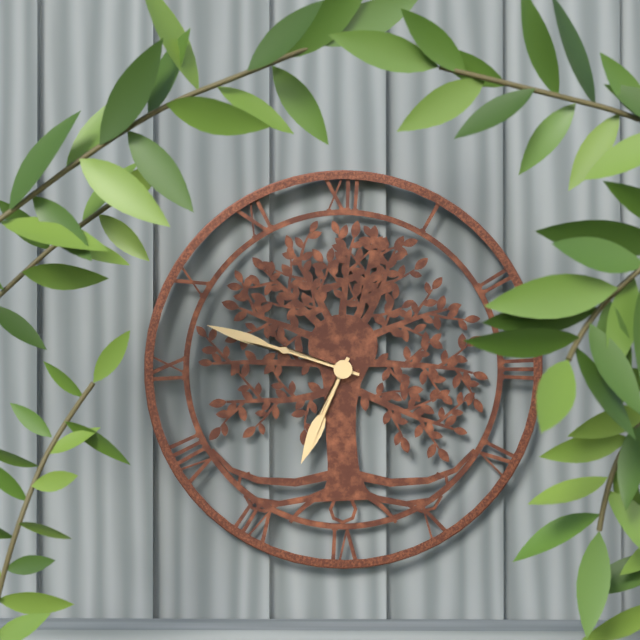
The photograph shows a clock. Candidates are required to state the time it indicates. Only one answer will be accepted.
6:48
